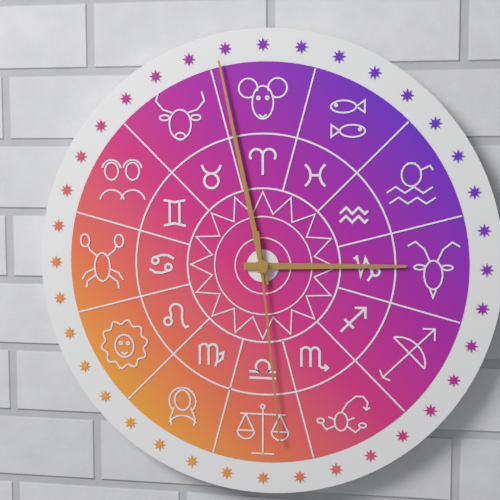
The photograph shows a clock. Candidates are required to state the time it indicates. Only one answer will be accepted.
2:58:29
